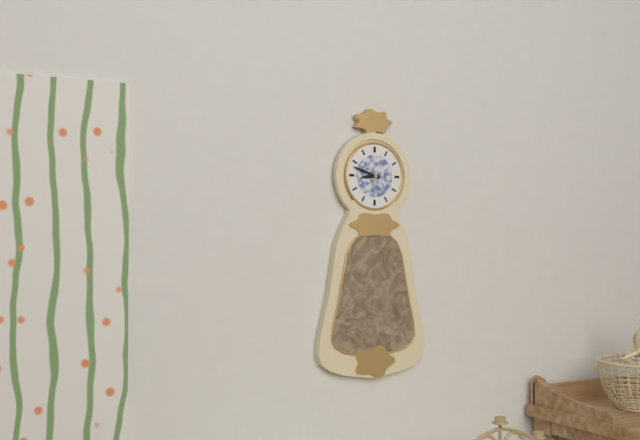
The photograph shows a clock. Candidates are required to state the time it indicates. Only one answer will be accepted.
8:48
